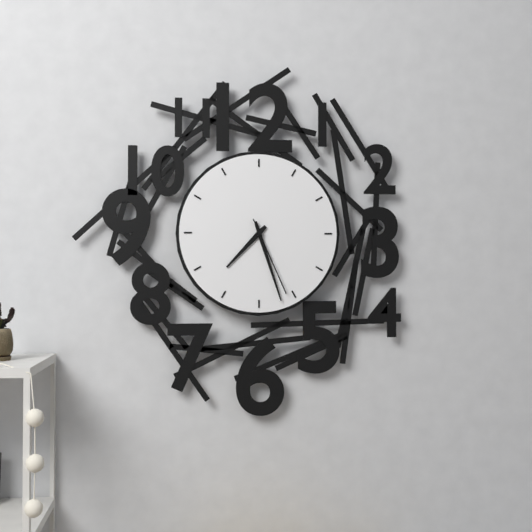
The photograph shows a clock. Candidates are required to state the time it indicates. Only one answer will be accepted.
7:27:26
